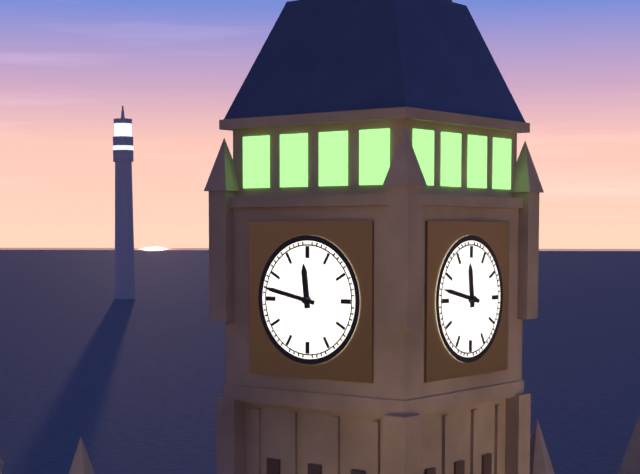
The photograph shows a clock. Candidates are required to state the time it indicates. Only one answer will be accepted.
11:47
